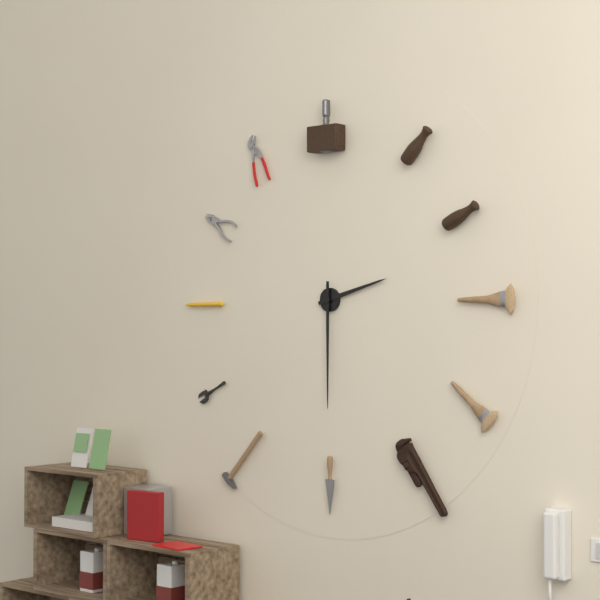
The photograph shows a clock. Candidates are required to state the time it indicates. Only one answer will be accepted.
2:30
